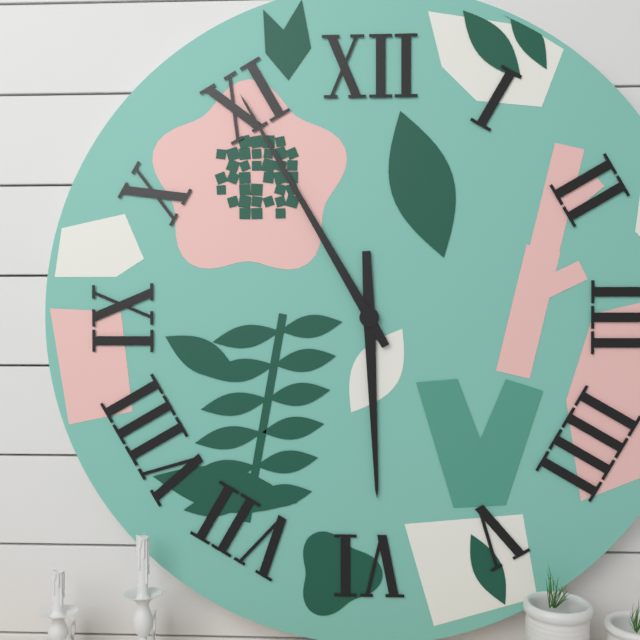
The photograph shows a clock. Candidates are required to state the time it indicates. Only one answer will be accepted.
5:55
